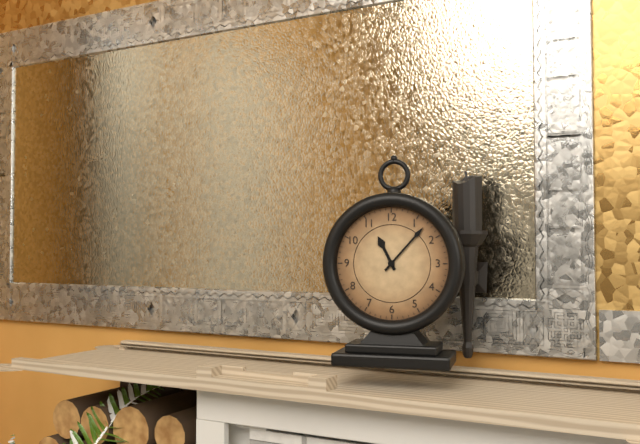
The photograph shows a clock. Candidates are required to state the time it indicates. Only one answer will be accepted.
11:07
